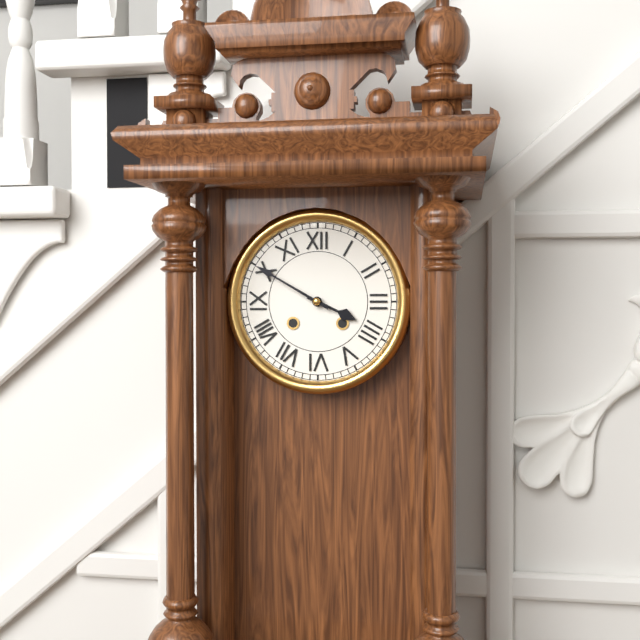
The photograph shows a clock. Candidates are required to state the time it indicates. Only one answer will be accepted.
3:50
